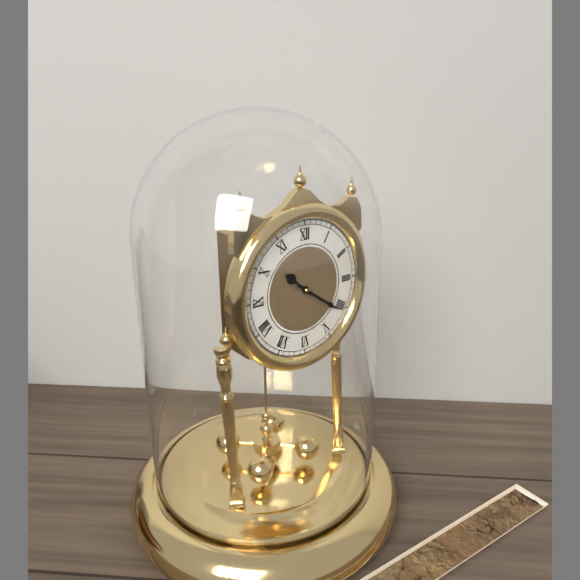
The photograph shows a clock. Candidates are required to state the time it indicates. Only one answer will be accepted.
10:21
